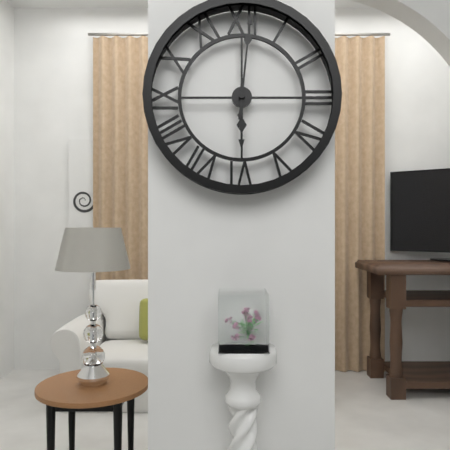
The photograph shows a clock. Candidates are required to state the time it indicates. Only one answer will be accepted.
6:01
